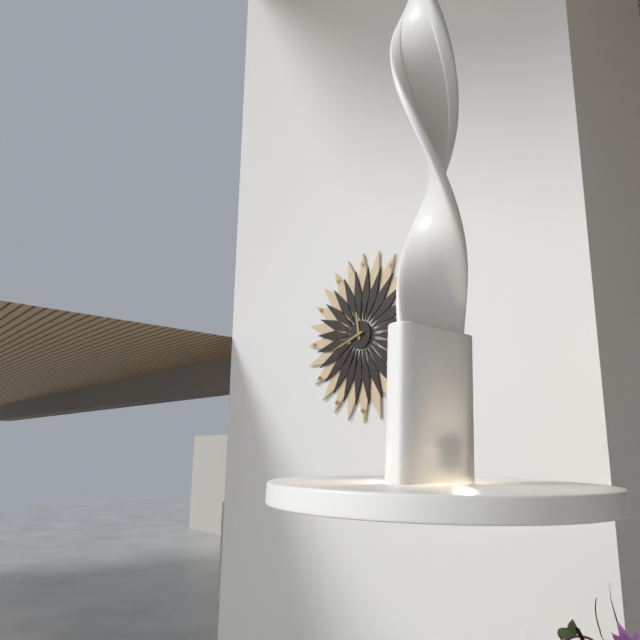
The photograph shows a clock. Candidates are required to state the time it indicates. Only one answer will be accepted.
11:42
